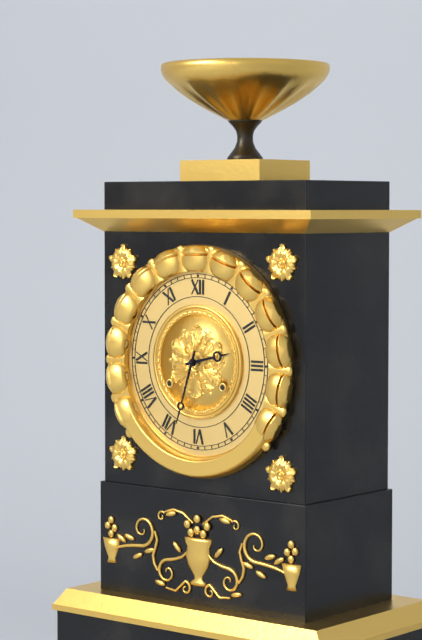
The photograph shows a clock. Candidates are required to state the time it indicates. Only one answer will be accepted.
2:33
